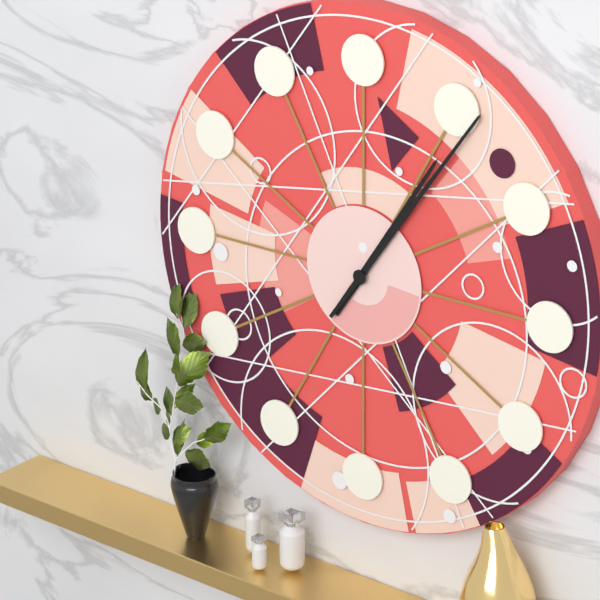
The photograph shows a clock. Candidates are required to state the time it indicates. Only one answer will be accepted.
1:06
